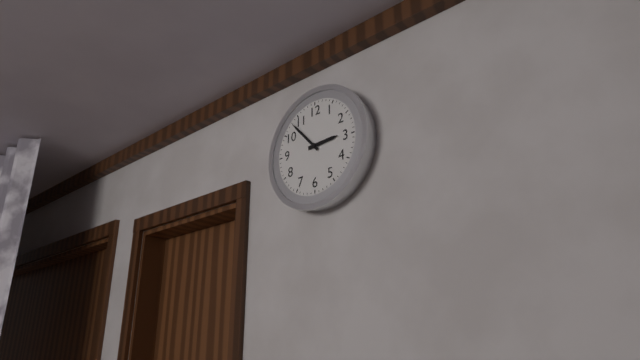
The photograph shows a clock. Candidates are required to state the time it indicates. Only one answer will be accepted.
2:53
